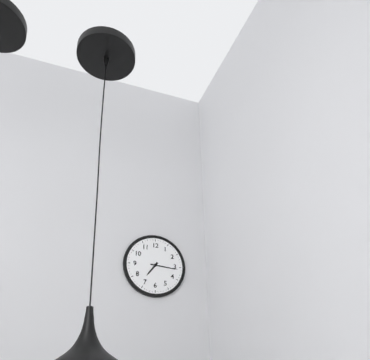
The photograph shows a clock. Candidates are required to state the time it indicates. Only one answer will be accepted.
7:16
